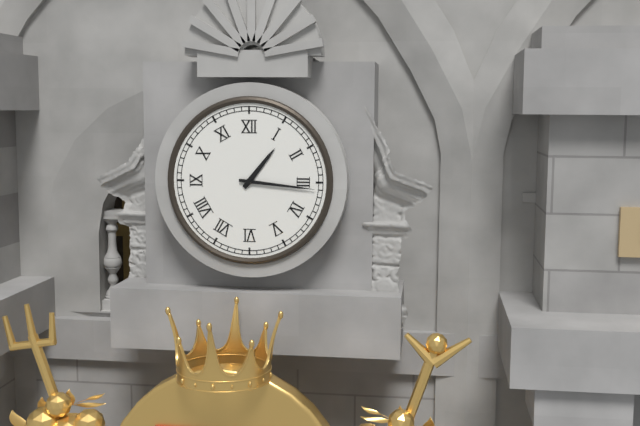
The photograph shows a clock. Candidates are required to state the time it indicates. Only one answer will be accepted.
1:16
